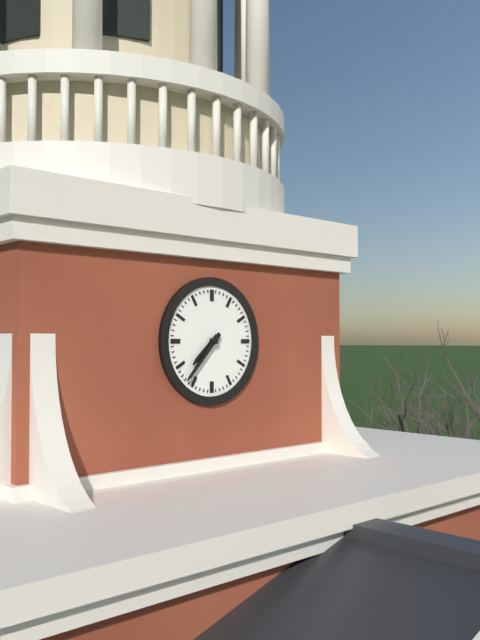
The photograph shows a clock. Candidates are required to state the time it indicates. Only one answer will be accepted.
7:37
